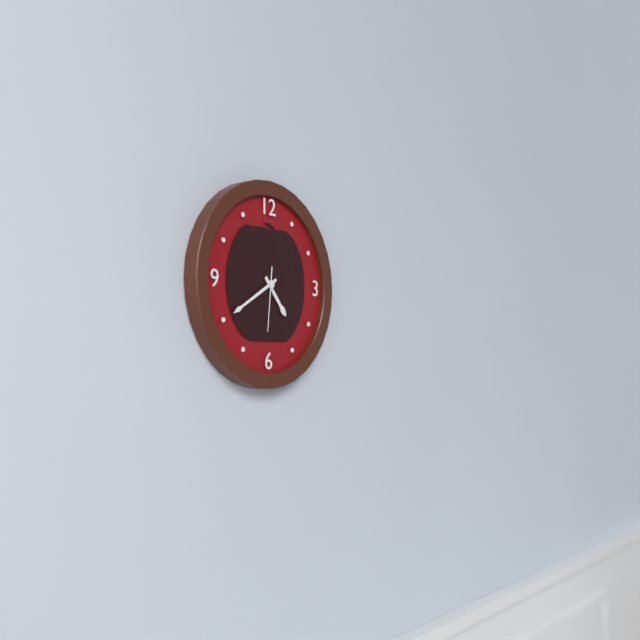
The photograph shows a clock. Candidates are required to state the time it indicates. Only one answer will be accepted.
4:40:31
